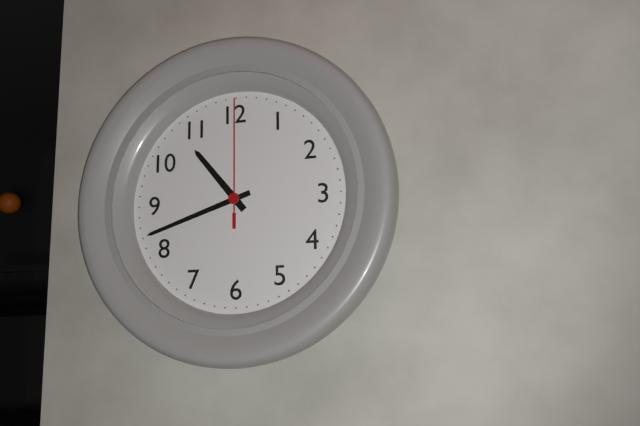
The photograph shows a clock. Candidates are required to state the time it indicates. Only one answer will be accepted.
10:42:00
